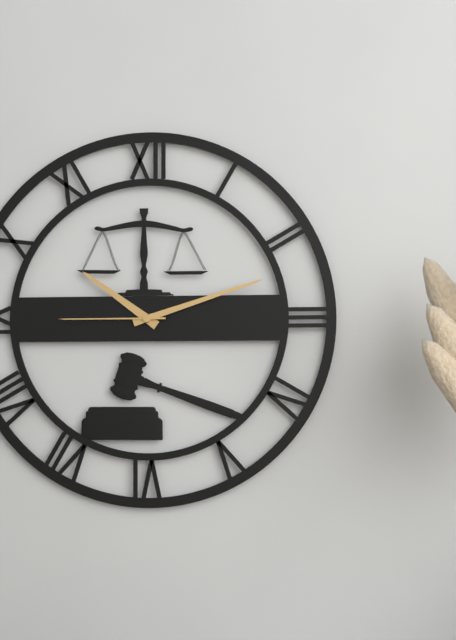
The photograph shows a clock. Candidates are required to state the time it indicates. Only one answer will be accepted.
10:12:45
